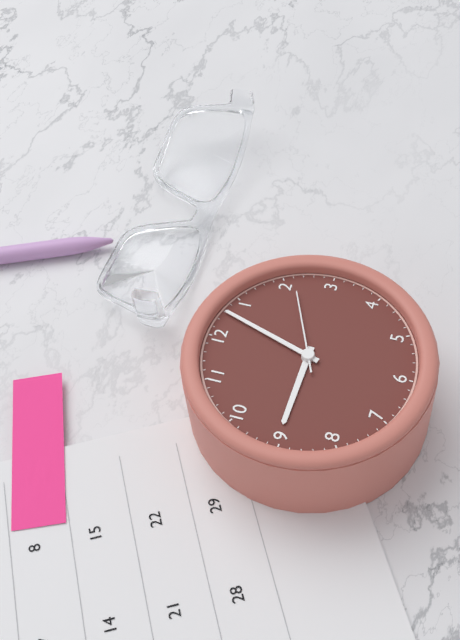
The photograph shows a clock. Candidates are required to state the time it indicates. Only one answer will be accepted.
9:03:11
